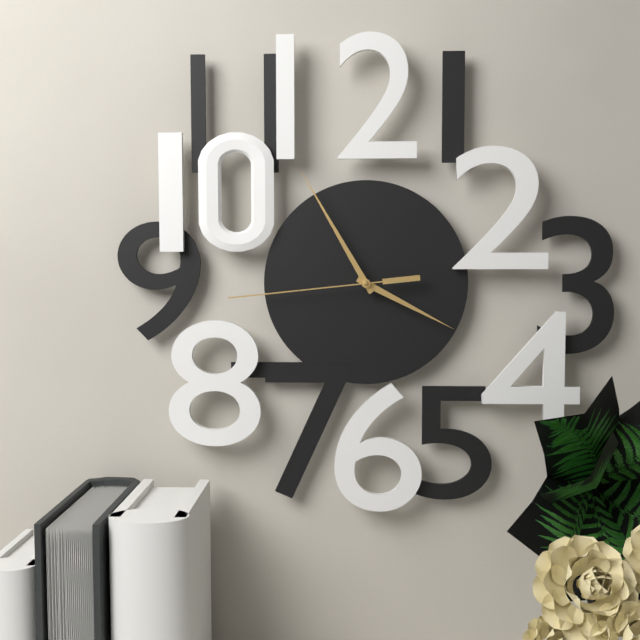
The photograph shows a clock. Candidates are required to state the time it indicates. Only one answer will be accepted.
3:55:44
